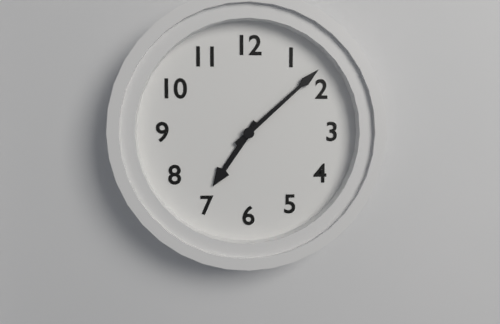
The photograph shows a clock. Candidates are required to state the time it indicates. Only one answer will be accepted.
7:08
